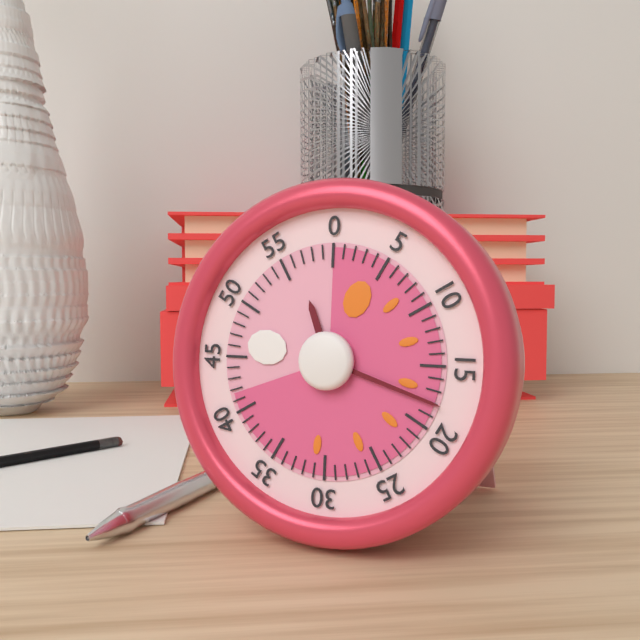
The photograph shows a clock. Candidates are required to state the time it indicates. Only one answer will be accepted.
11:18
